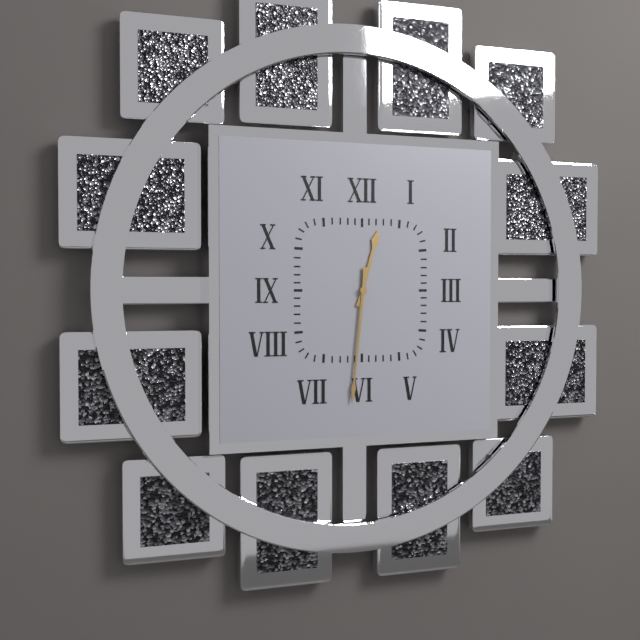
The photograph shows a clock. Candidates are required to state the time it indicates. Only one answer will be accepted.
12:31
